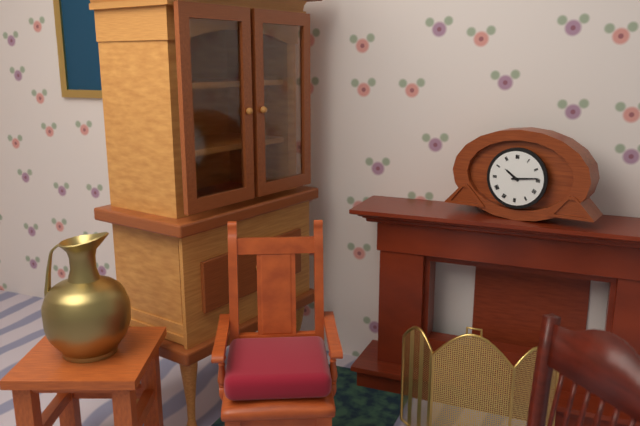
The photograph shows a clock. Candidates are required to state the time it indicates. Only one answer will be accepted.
10:14
